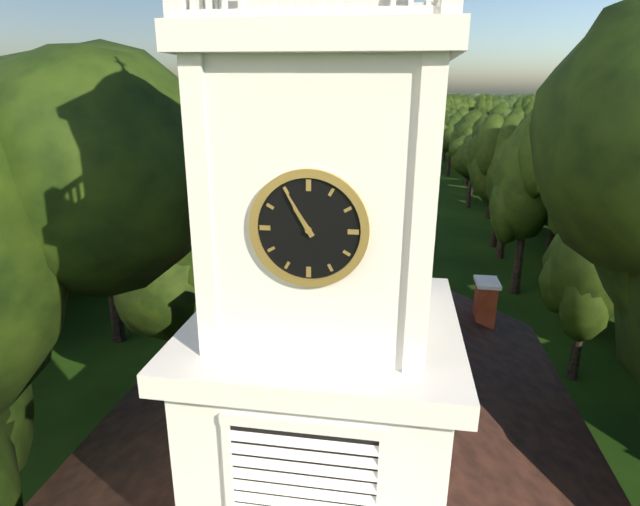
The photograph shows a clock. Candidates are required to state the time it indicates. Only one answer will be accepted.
10:55
